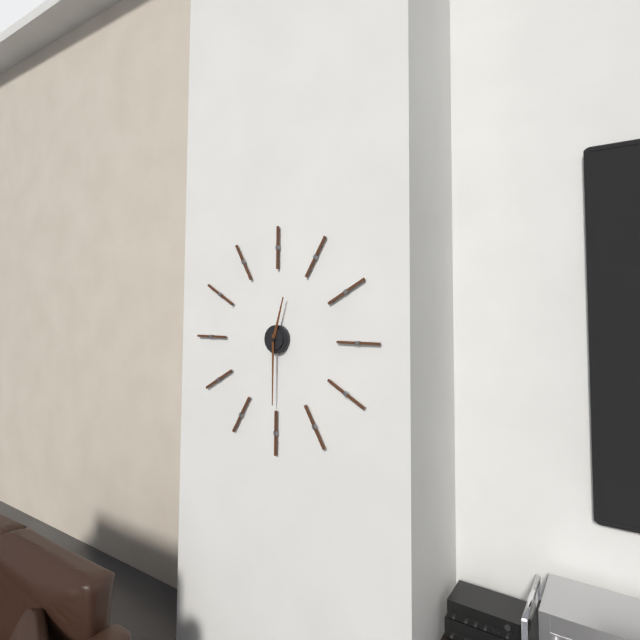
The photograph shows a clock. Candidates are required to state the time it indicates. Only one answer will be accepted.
12:30
